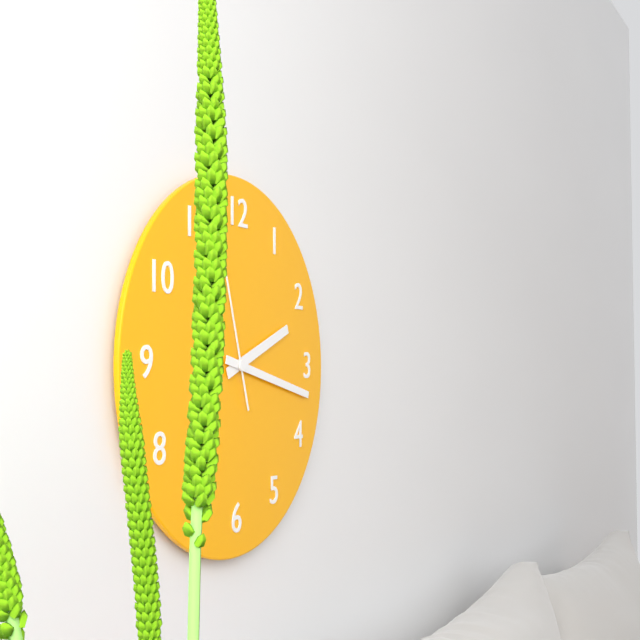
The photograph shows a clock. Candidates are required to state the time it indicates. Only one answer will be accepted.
2:17
